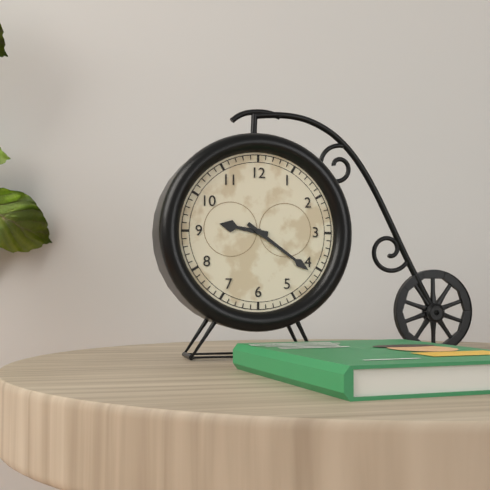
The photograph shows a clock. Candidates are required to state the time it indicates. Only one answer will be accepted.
9:21
